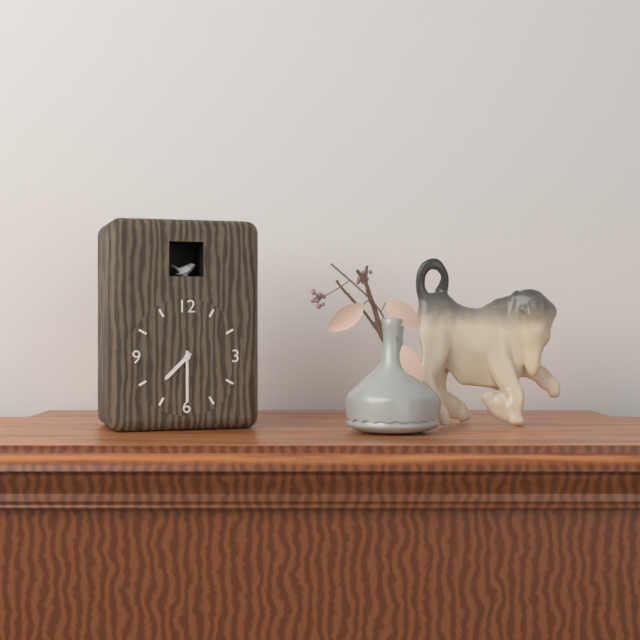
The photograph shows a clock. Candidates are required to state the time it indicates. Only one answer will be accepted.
7:30
